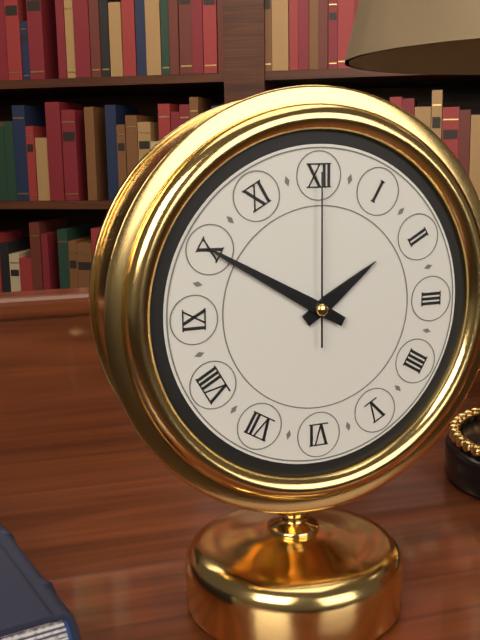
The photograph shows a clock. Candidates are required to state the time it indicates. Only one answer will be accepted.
1:50:00
